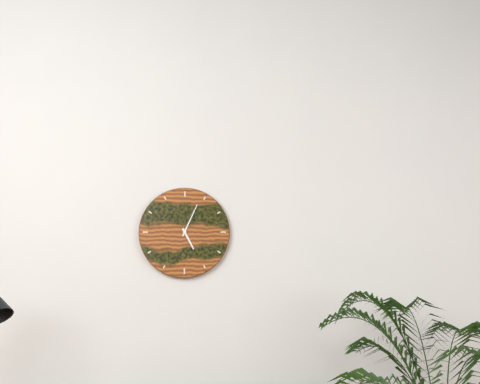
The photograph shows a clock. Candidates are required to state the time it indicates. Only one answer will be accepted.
5:04
